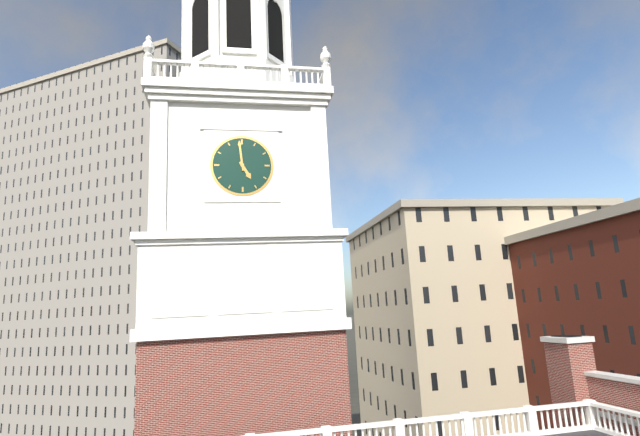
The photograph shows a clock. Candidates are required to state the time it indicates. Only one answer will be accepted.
4:59
